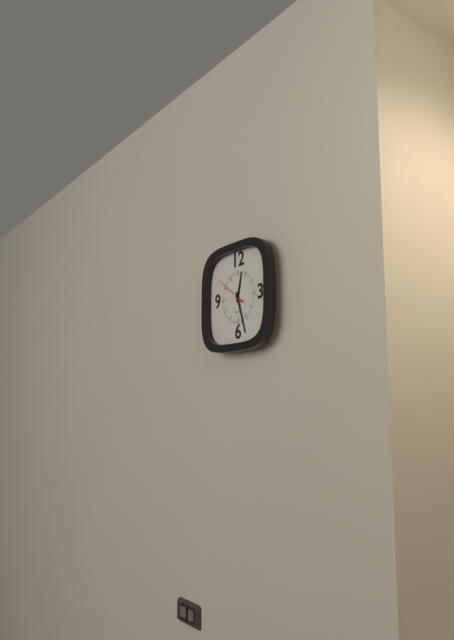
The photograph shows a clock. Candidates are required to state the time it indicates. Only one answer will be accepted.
12:27
